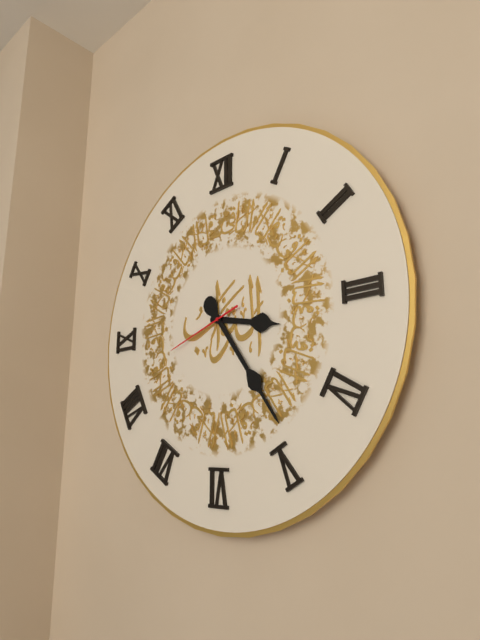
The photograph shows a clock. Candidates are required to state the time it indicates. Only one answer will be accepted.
3:24:42
